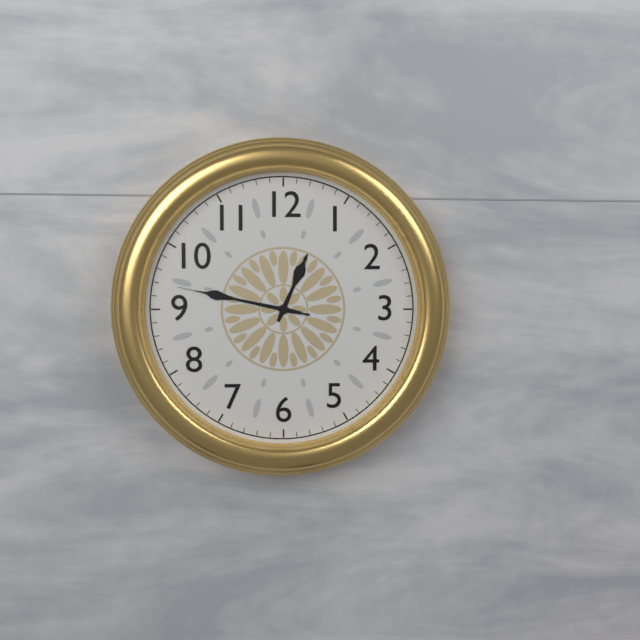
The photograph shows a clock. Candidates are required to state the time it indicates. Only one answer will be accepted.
12:47:47
